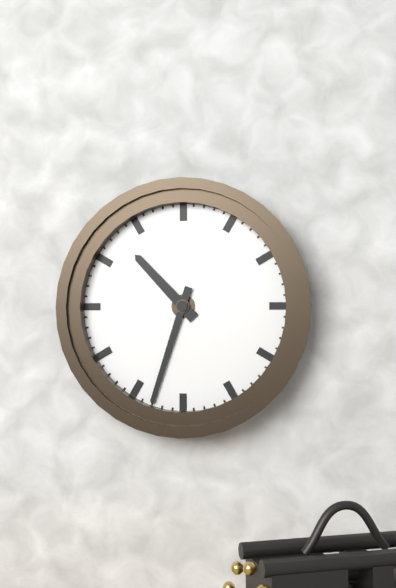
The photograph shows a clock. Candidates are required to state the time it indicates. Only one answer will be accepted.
10:33
